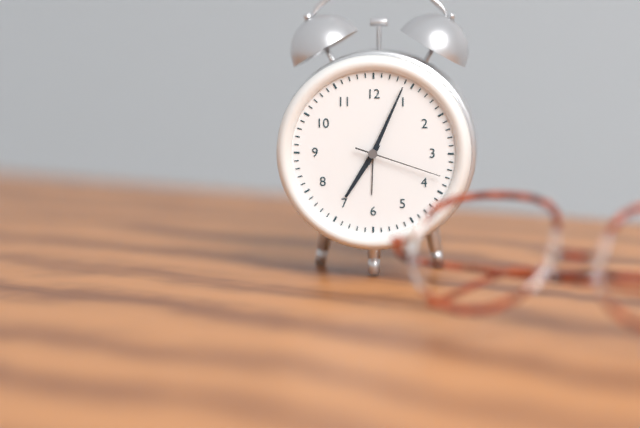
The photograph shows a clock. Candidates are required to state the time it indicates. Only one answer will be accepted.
7:04:18
